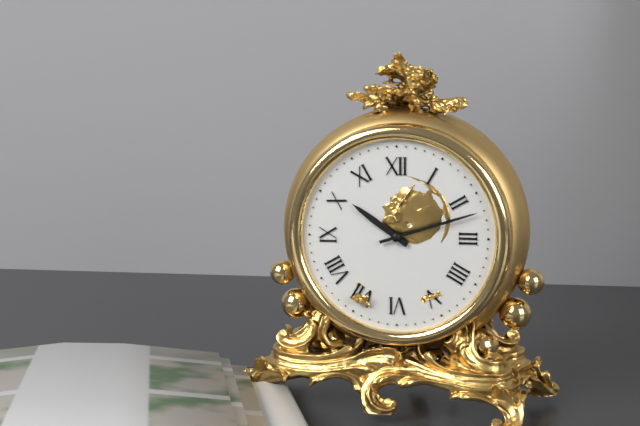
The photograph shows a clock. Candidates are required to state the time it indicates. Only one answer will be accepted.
10:12
